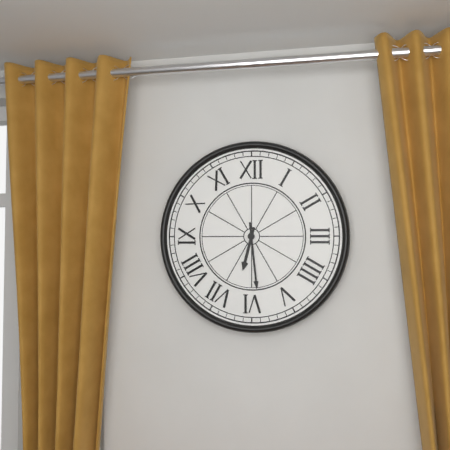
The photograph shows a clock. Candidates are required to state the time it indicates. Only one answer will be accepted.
6:29
